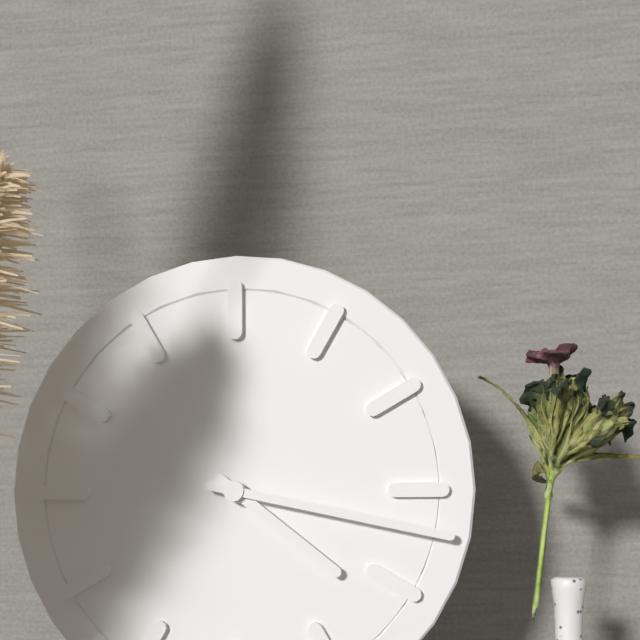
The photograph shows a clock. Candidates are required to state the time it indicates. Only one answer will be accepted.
4:17
